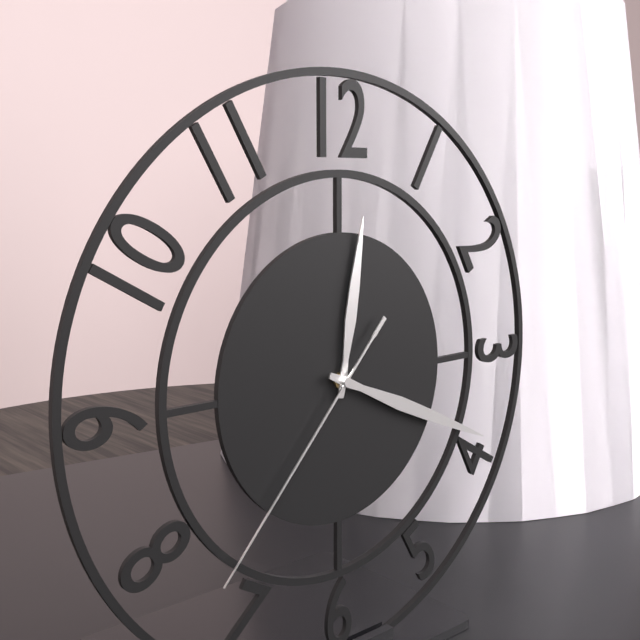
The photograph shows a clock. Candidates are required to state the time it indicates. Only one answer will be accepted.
12:19:37
